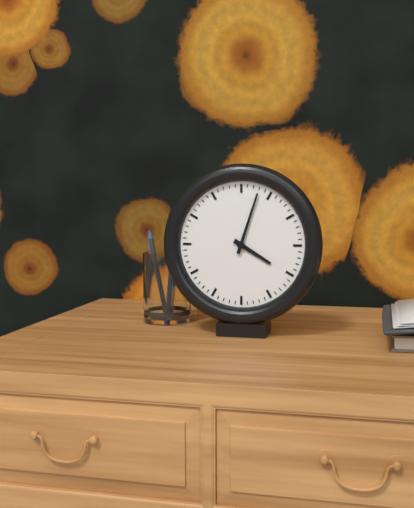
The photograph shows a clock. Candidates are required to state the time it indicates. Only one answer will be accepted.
4:03
